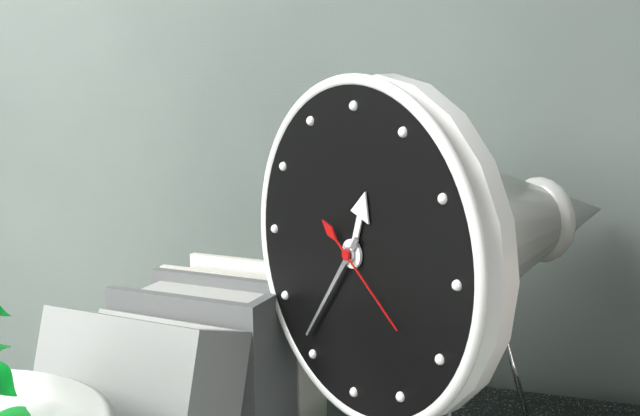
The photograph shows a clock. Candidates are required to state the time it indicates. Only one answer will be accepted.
12:36:21
